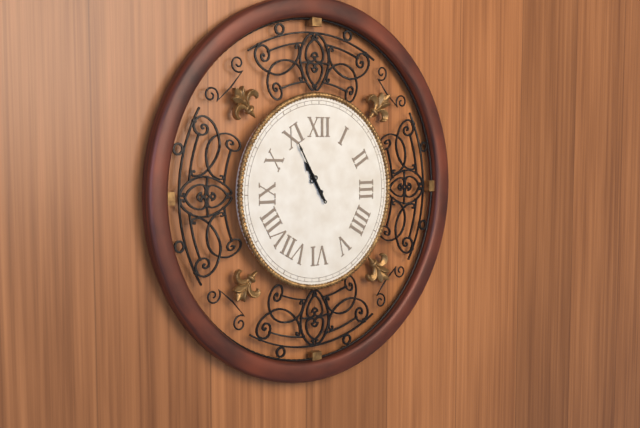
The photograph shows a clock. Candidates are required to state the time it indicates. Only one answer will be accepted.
10:55
